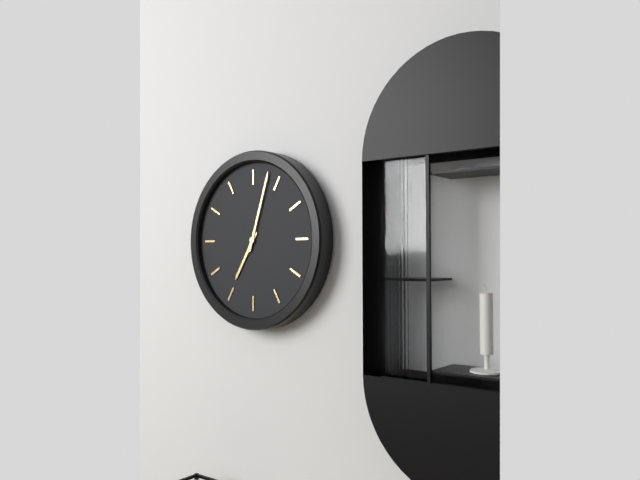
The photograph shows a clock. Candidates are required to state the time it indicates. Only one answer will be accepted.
7:03
